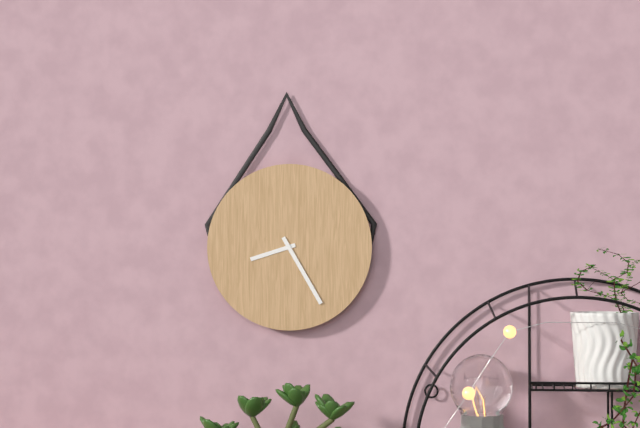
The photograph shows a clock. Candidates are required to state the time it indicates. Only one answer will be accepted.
8:25
